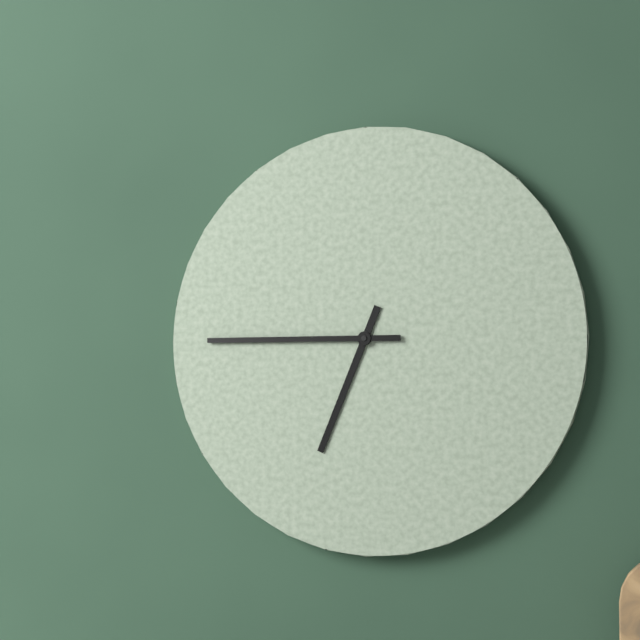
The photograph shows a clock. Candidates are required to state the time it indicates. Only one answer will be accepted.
6:45
